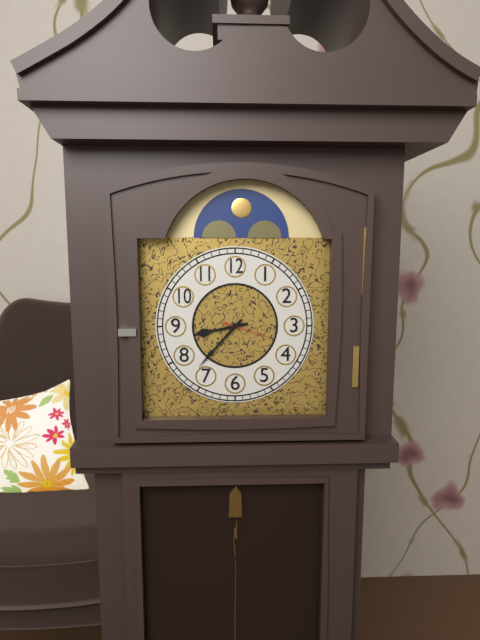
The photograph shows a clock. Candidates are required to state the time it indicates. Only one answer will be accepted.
8:37
